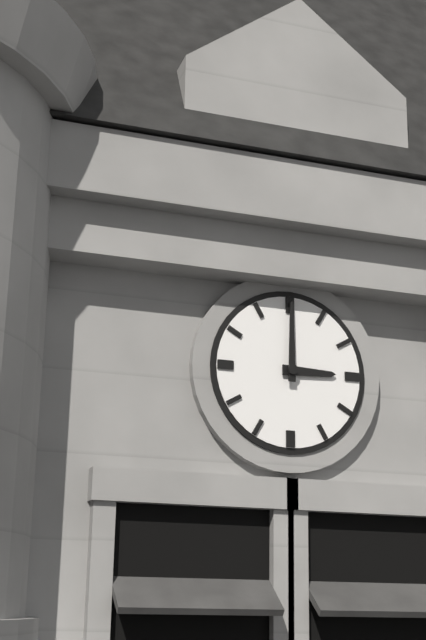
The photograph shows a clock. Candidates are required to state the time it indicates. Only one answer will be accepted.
3:00
